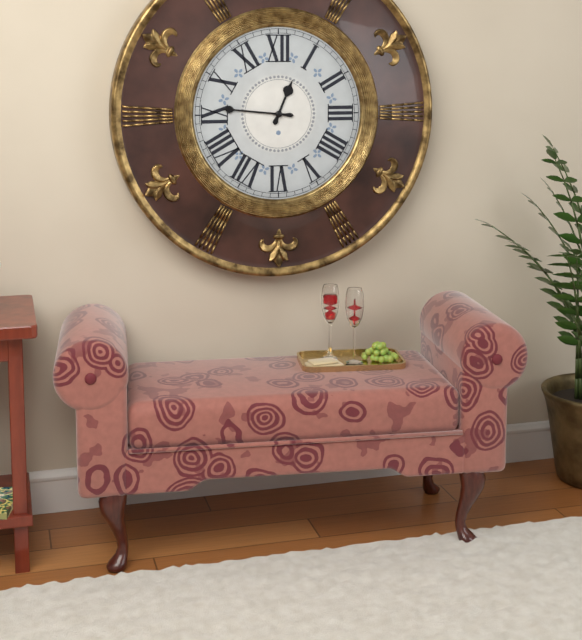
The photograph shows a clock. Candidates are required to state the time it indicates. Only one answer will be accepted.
12:46
